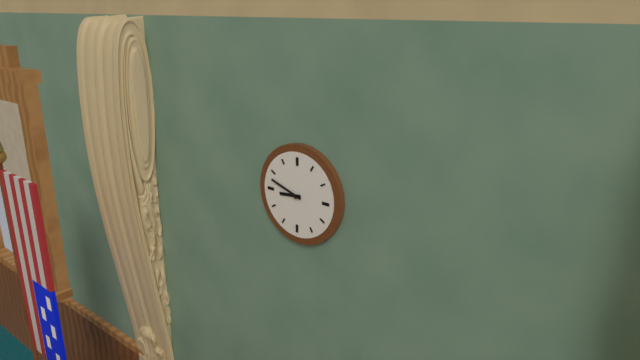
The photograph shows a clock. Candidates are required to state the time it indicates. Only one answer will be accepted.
8:48
